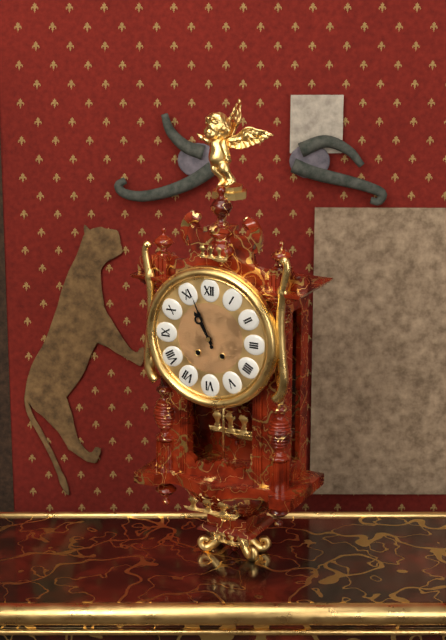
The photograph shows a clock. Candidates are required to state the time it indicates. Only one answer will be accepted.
10:56
